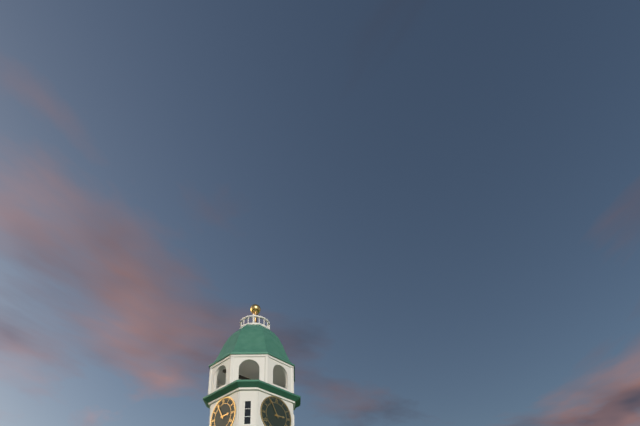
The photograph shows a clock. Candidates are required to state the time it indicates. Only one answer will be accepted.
2:55
